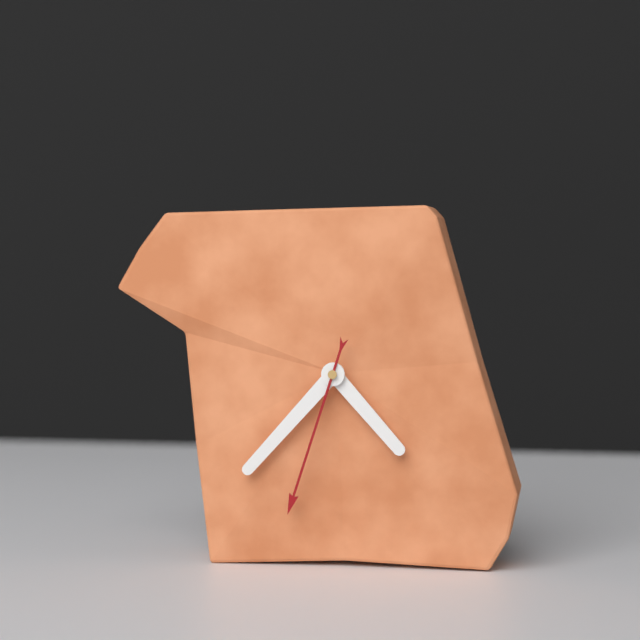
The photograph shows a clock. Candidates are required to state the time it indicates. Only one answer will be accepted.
4:37:33
